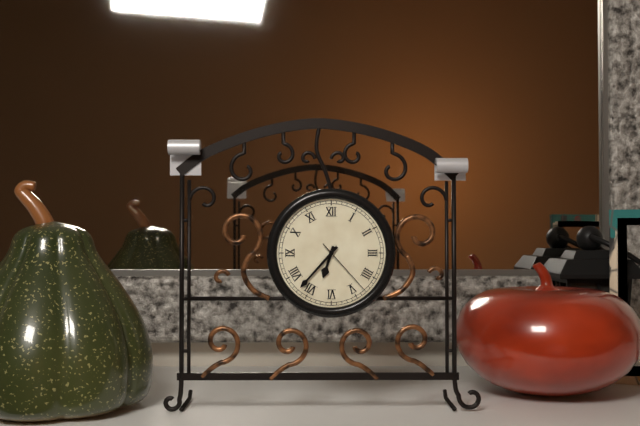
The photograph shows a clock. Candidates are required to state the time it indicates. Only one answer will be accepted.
6:37:23
